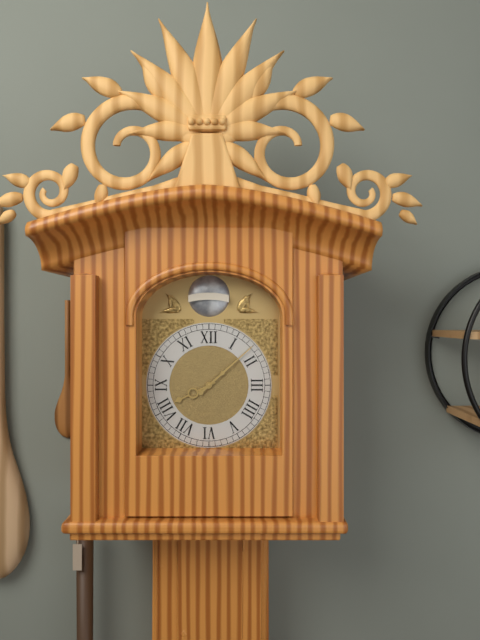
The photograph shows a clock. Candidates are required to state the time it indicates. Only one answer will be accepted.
8:08
